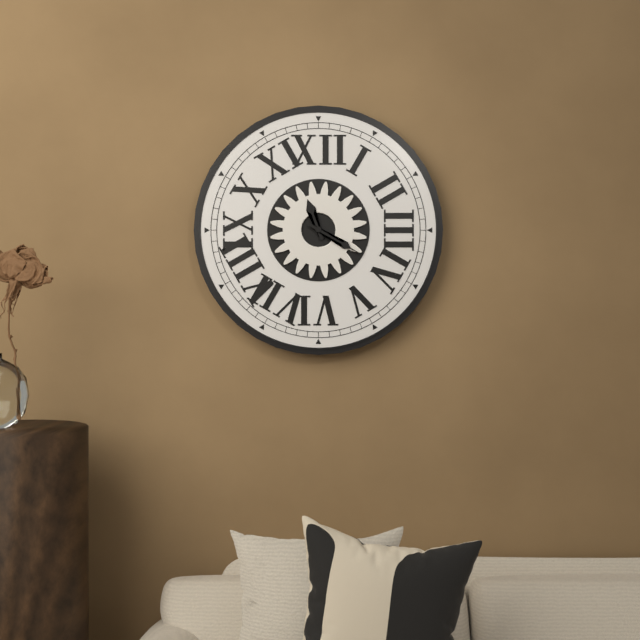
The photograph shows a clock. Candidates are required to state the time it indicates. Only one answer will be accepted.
11:20
